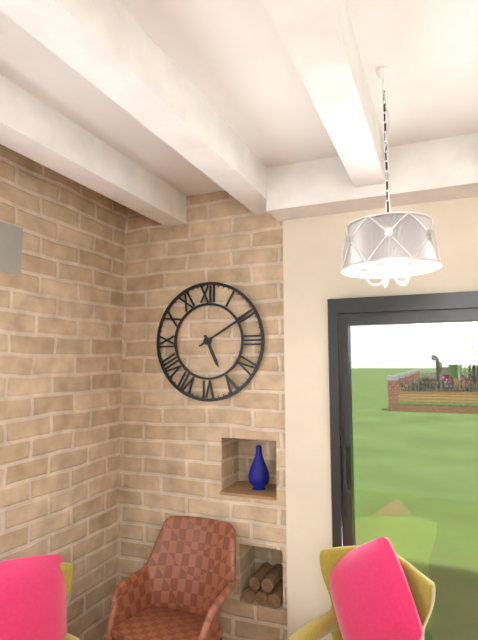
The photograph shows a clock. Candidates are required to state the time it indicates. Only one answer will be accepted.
5:10
